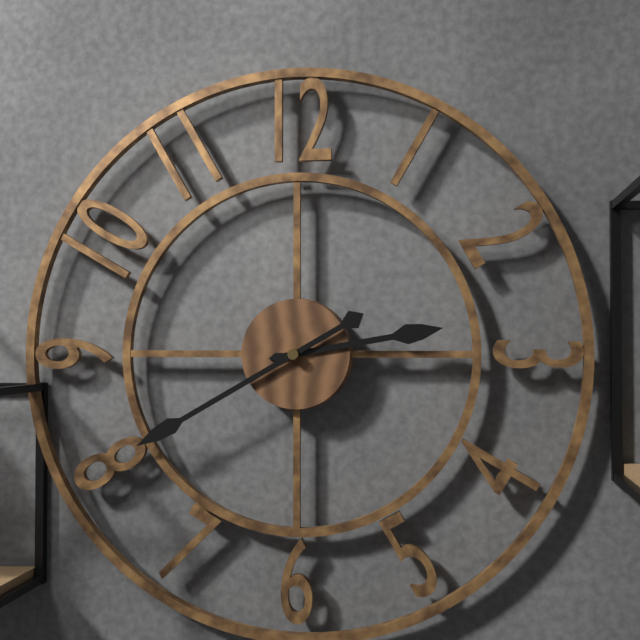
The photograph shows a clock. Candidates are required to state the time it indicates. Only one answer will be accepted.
2:40
